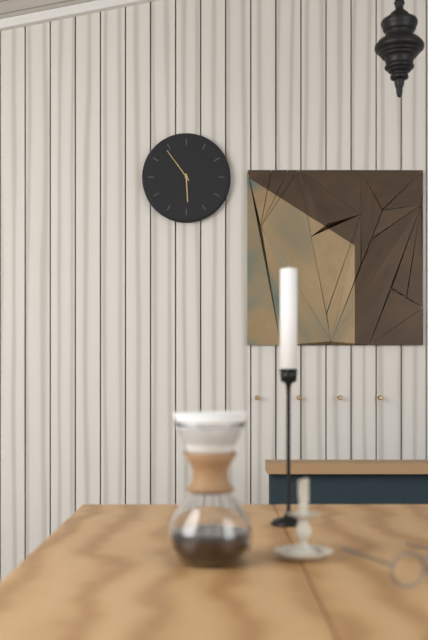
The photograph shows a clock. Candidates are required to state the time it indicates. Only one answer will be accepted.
5:54
